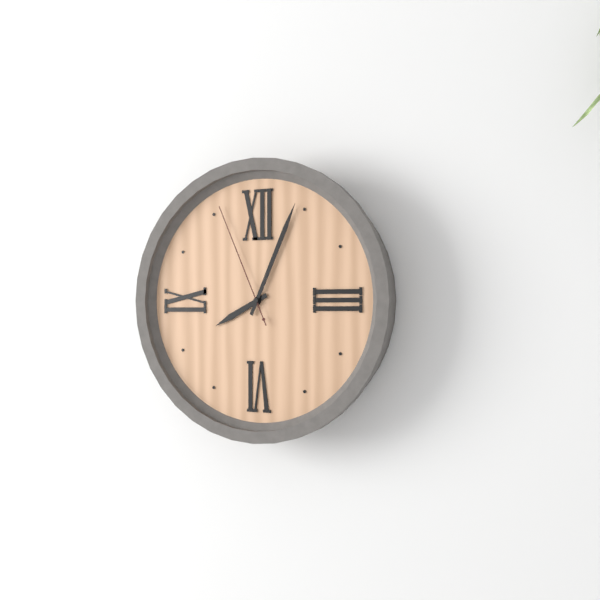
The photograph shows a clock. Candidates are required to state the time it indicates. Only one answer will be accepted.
8:04:56
